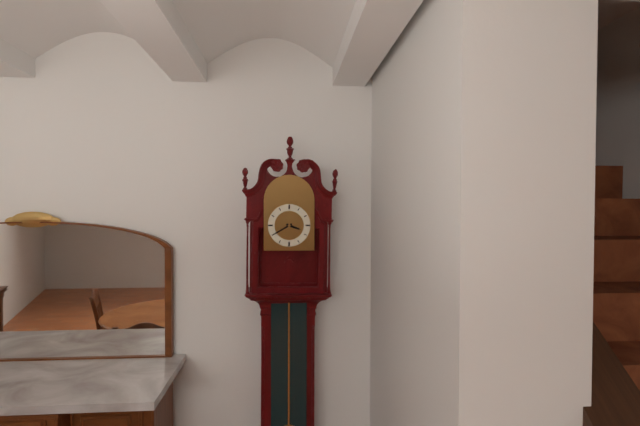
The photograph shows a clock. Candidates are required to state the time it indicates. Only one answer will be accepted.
3:40
